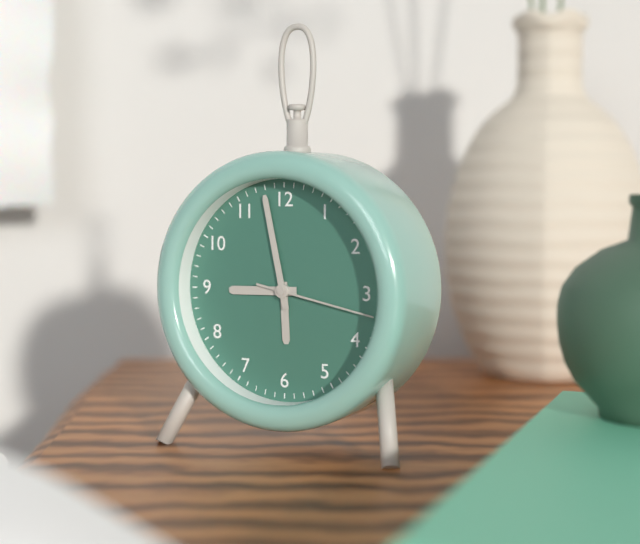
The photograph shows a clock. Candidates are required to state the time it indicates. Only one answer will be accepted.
8:58:17
